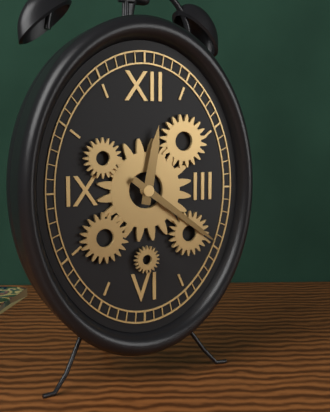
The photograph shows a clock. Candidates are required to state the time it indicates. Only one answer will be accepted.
12:21
